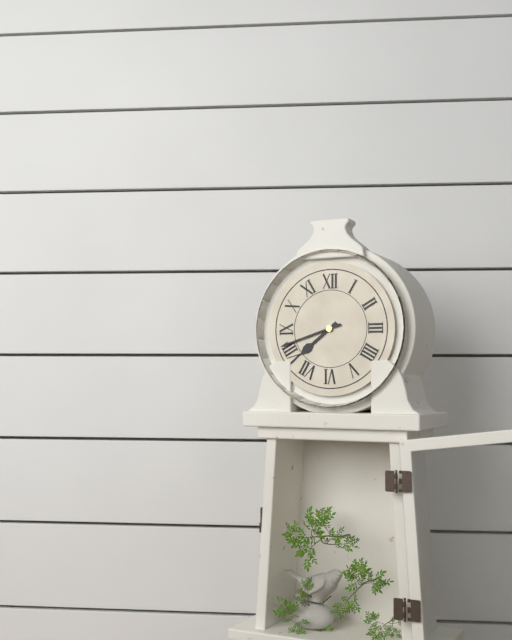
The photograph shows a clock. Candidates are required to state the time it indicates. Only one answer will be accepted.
7:42
